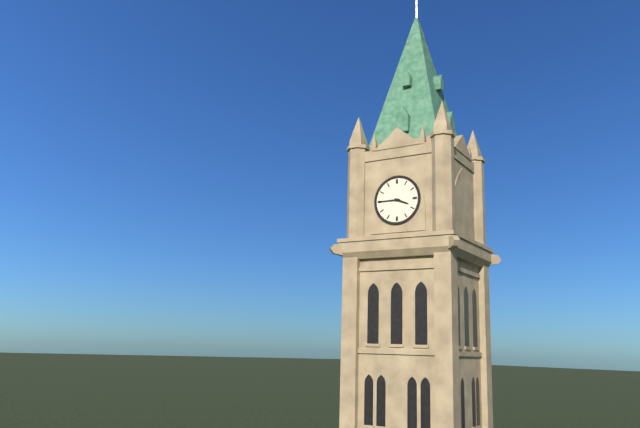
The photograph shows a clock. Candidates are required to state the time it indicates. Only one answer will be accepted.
3:45
